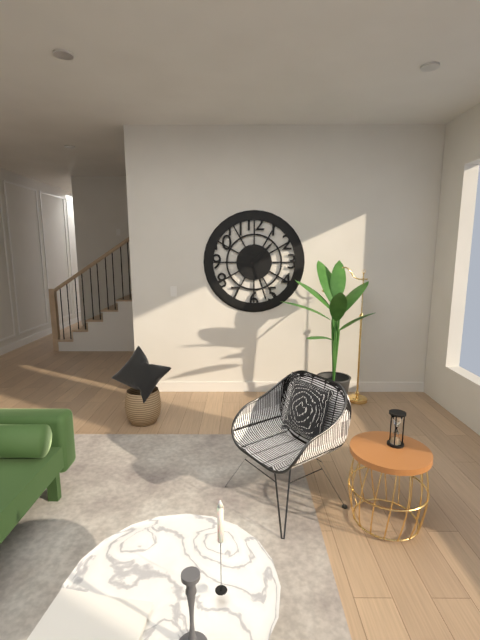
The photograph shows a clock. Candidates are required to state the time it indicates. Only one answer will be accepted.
1:27
